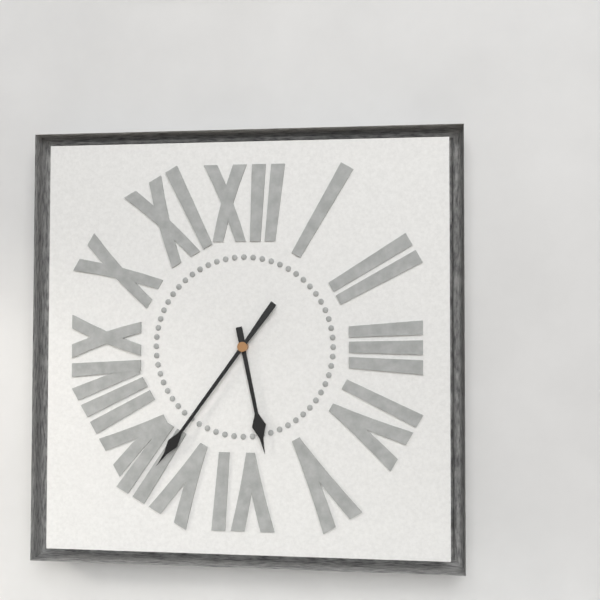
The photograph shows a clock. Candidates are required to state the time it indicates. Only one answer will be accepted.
5:36
